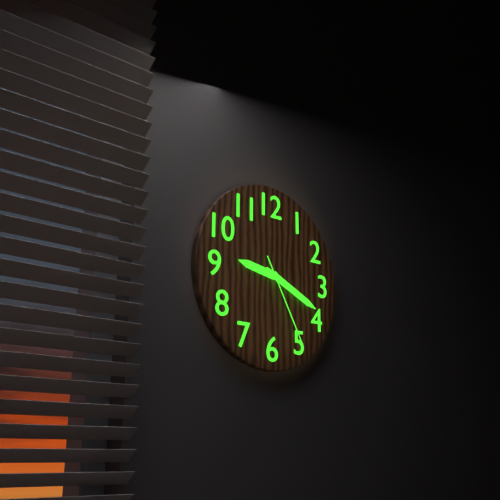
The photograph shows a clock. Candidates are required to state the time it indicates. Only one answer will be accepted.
9:19:25
